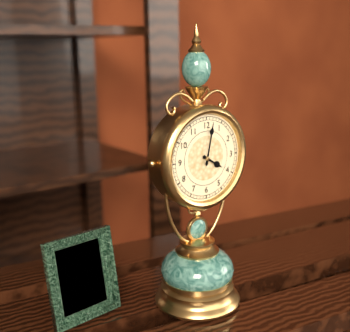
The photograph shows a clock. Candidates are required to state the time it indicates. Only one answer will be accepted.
4:02
